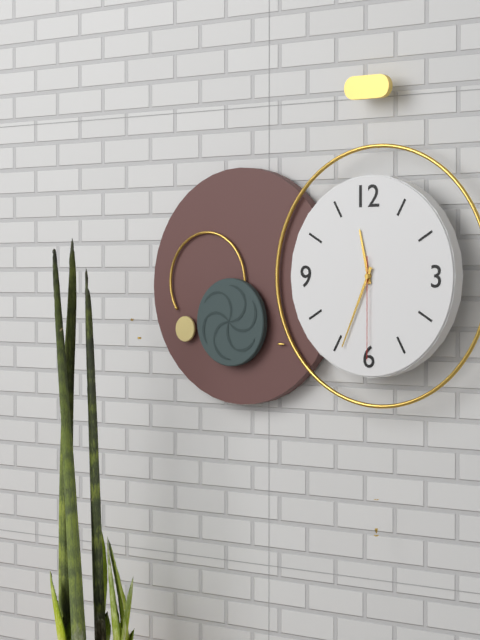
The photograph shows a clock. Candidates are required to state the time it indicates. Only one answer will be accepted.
11:34:30
